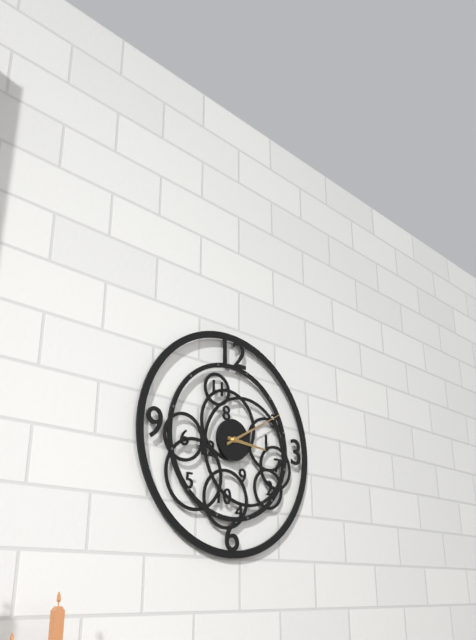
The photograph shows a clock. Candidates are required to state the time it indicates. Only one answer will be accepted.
3:10
